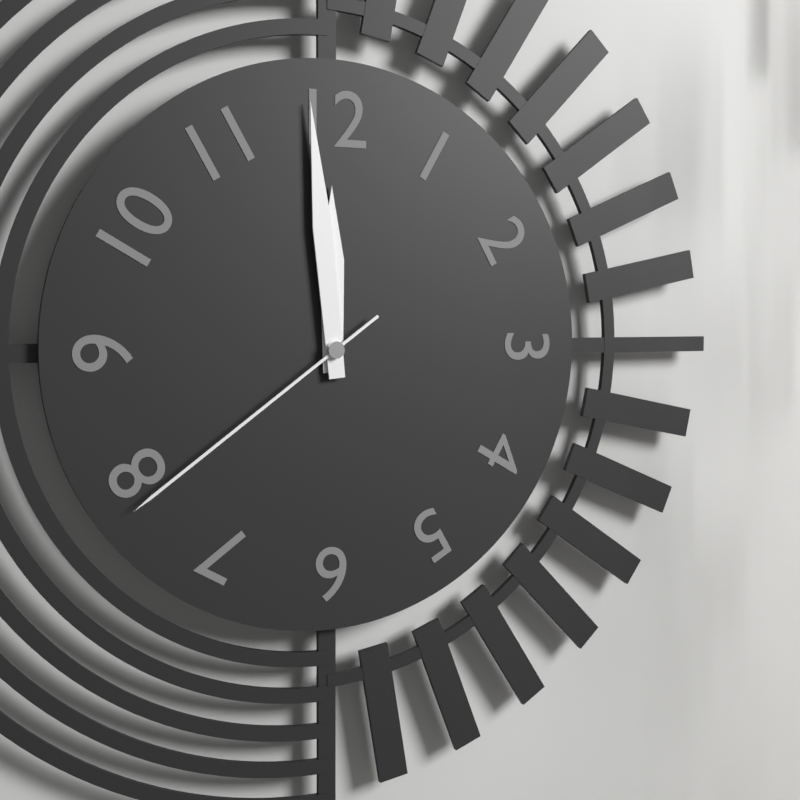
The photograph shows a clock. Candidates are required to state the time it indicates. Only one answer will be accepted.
11:59:39
